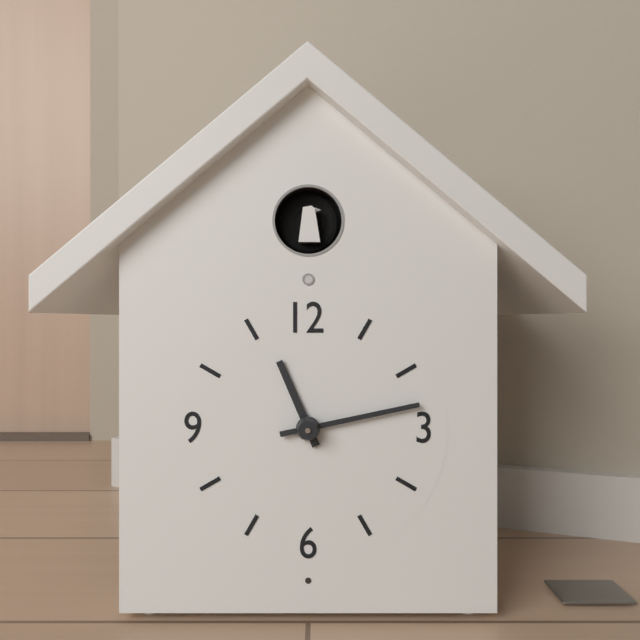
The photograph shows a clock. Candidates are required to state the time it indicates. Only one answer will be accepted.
11:13
